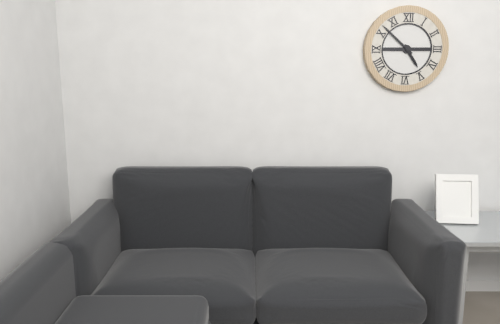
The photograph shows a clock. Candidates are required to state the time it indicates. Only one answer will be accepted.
4:52
